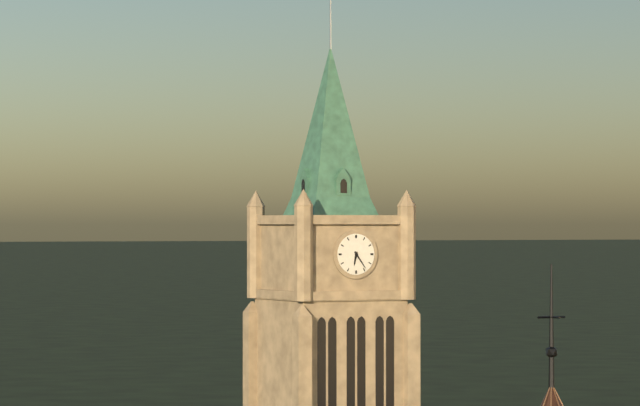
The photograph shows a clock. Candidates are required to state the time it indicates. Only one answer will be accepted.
6:24
